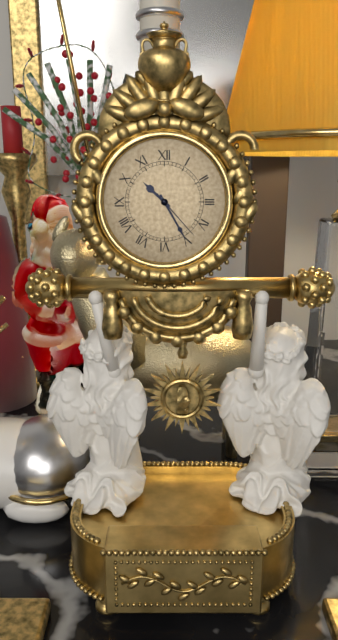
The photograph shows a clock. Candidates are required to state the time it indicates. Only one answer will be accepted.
10:25:23
